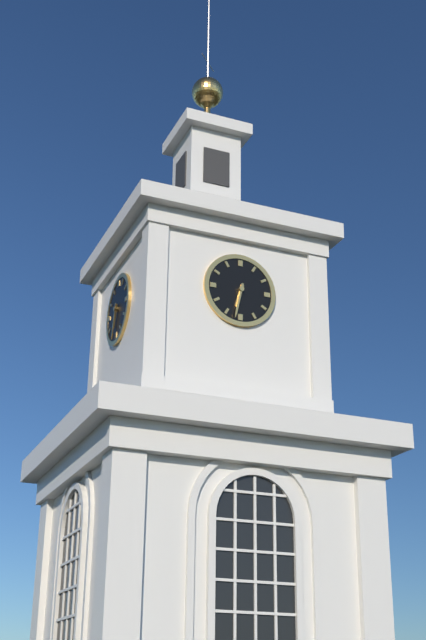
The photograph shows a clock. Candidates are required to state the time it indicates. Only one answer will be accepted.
6:32
